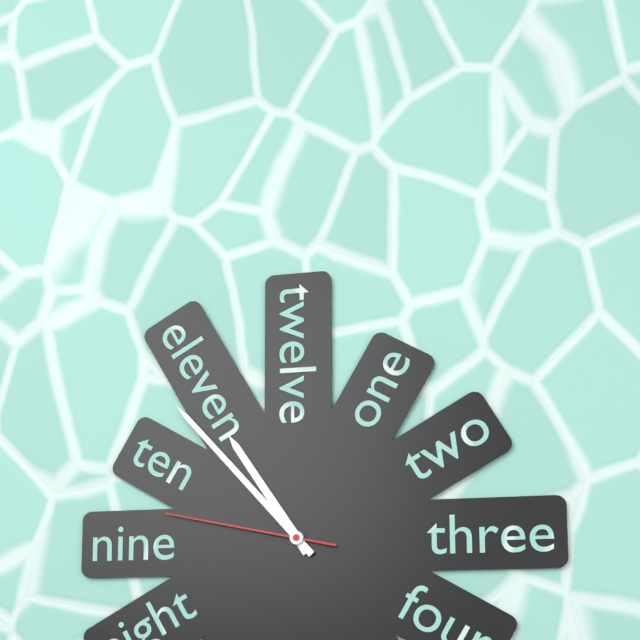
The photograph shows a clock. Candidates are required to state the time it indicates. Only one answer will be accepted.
10:53:47
